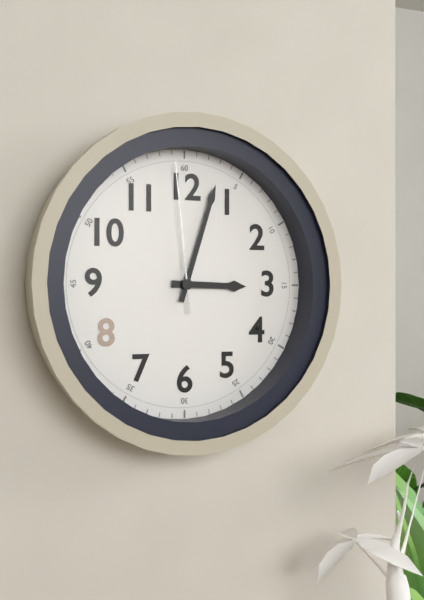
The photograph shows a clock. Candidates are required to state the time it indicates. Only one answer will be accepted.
3:03:59
